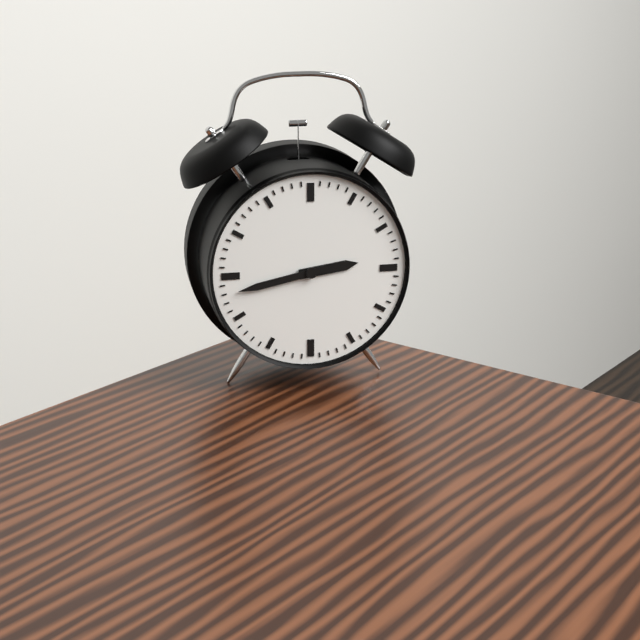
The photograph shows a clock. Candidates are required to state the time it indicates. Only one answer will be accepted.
2:43
